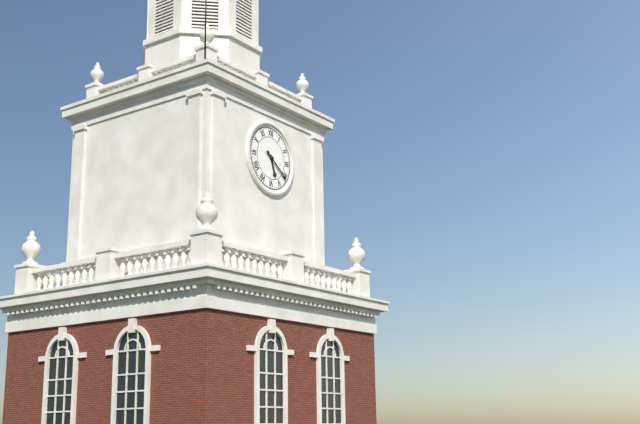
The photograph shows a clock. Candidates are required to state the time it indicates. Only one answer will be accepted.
5:21
